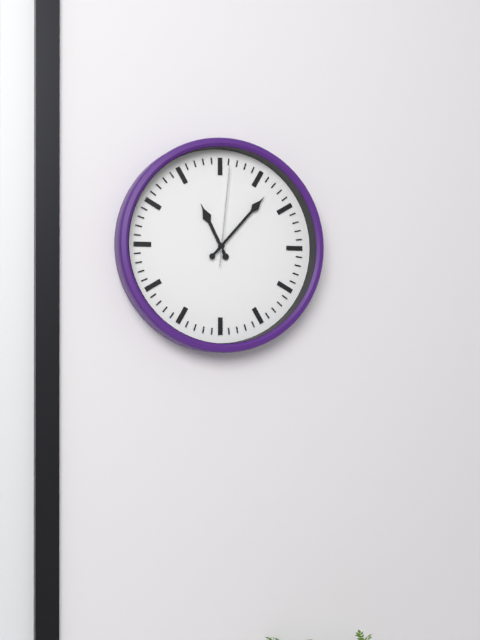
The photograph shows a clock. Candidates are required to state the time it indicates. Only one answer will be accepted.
11:07:01
